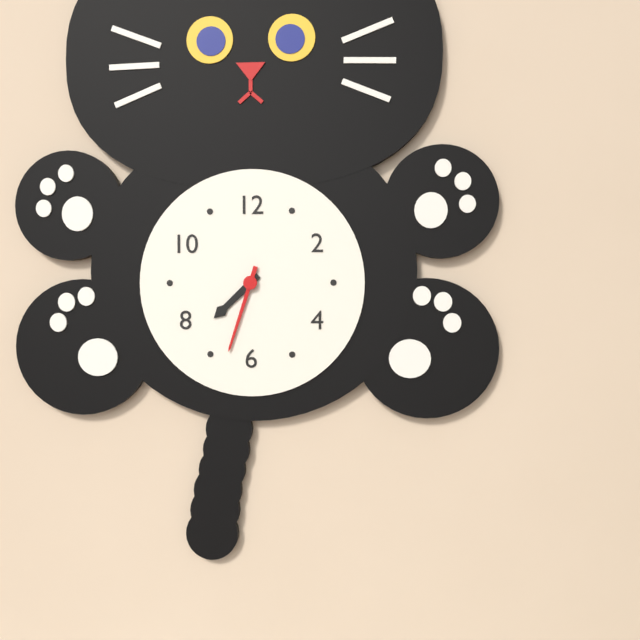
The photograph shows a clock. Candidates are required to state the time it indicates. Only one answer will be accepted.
7:33
